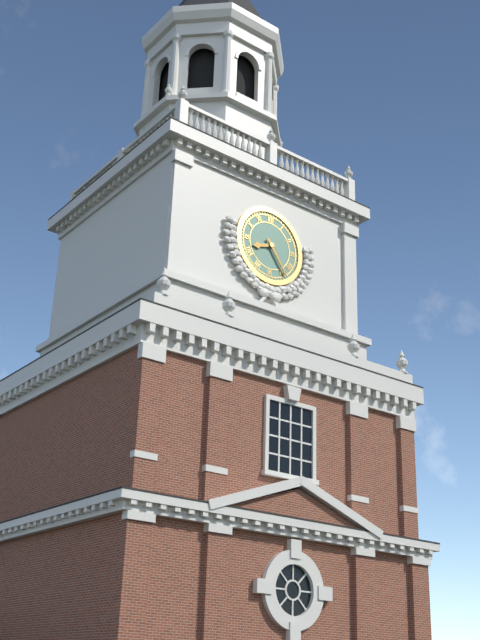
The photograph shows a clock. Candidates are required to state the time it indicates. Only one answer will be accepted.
8:24
